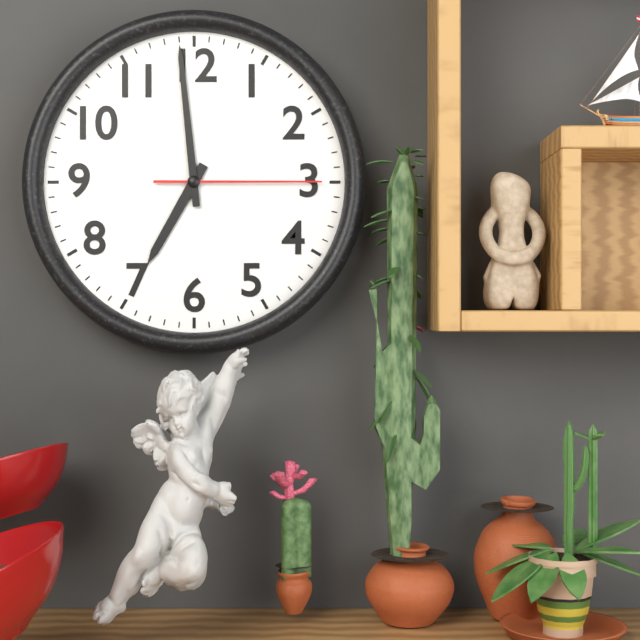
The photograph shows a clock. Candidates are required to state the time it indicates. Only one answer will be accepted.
6:59:15
